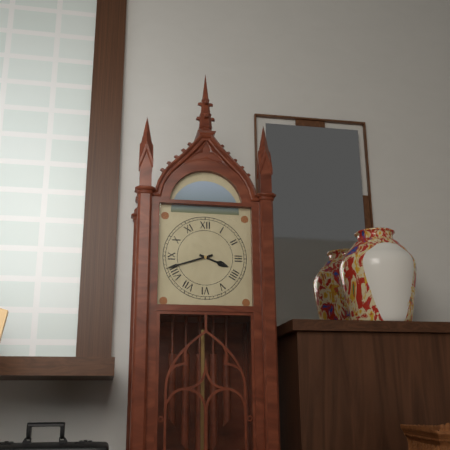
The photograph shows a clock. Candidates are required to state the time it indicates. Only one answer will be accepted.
3:42
